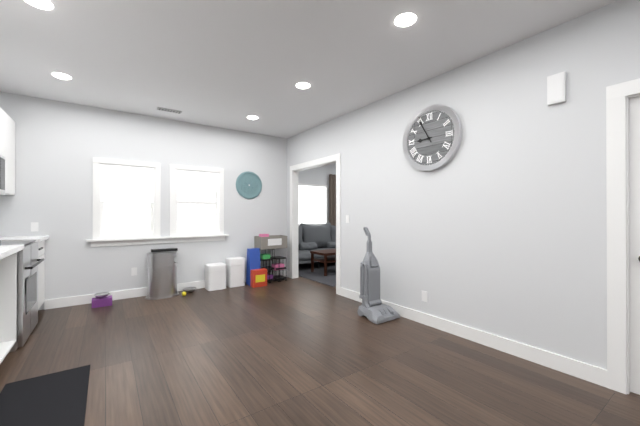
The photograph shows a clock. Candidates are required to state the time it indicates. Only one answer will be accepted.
8:55
